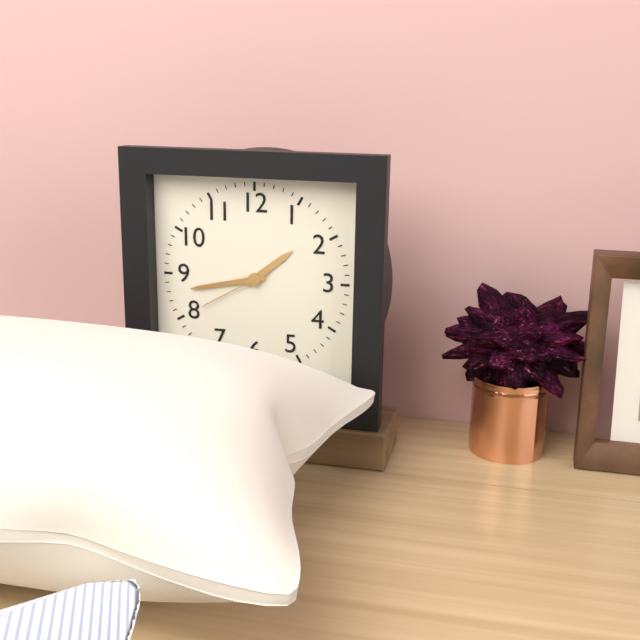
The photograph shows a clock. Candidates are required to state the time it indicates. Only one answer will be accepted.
1:43:40
